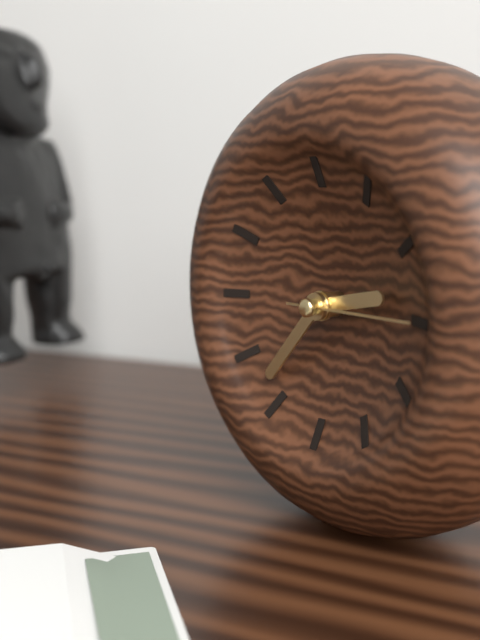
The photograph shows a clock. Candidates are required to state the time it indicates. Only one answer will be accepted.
2:37:15
